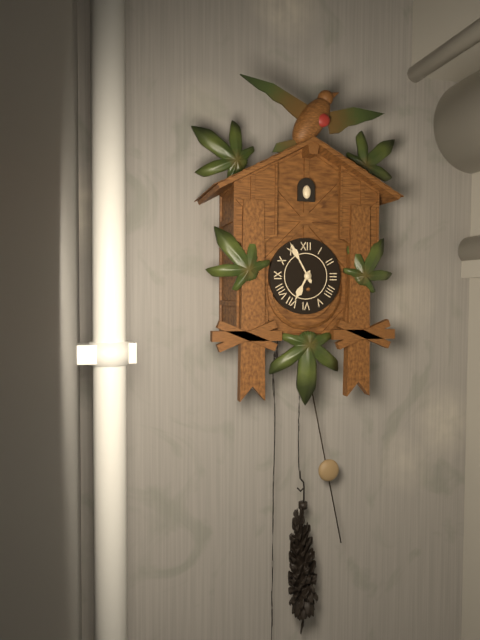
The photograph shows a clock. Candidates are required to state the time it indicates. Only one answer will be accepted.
6:55
